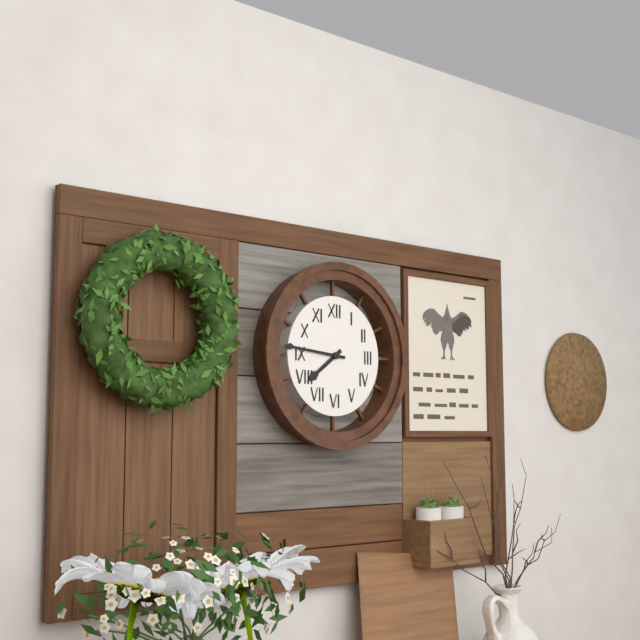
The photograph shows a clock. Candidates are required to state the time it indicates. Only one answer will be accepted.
7:46
